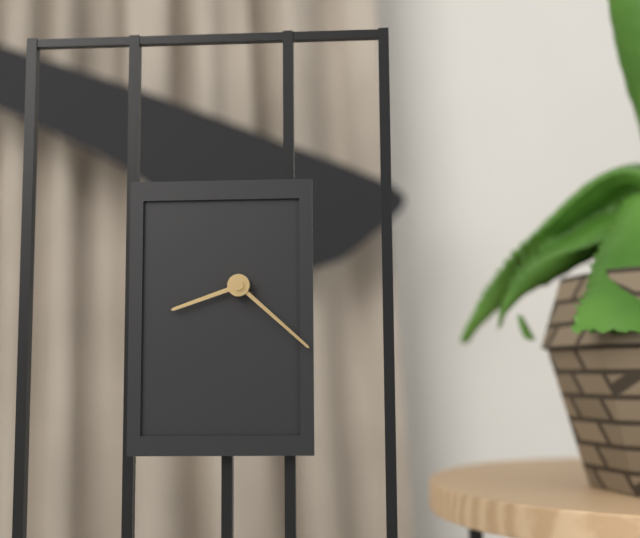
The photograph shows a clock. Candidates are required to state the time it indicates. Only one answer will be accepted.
8:22
